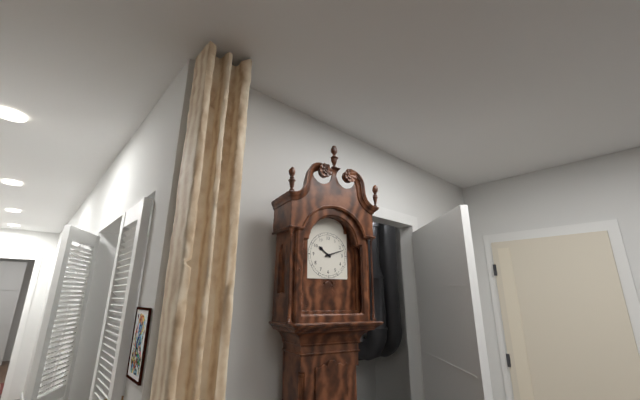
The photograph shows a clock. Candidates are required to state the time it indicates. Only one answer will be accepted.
10:12
